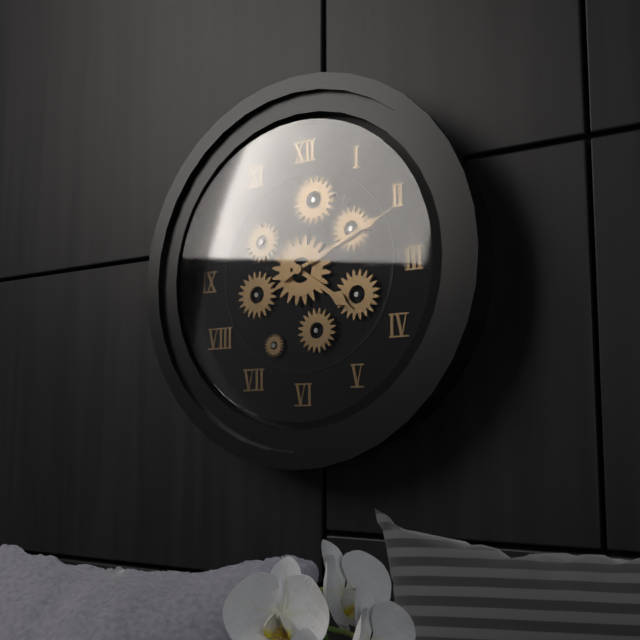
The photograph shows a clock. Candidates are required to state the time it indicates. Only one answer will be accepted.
4:11
